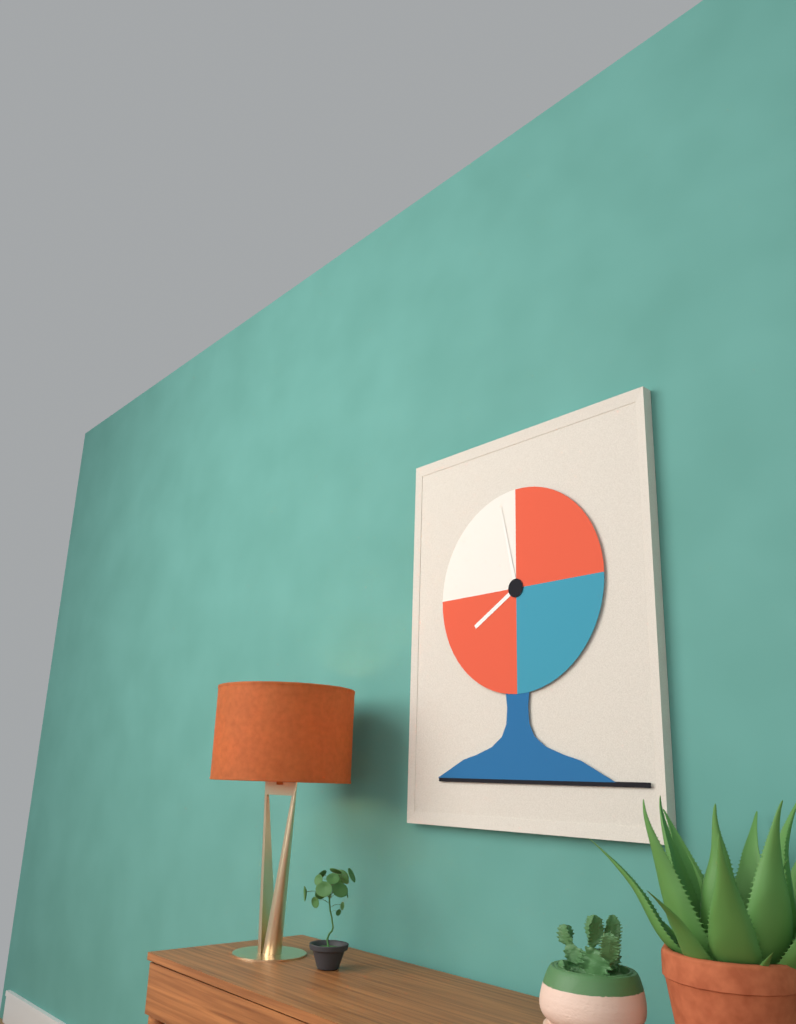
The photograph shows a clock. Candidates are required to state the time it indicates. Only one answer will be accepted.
7:58
